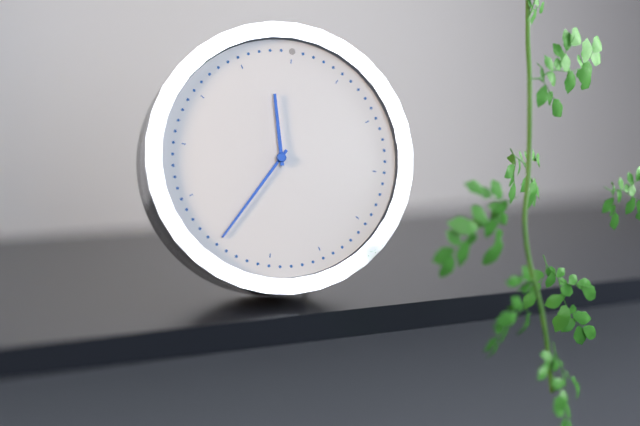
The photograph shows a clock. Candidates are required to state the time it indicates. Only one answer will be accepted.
11:35
